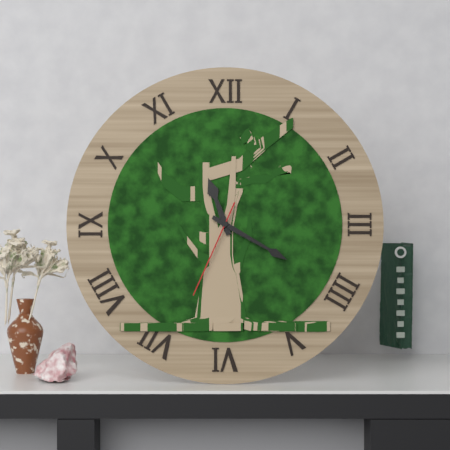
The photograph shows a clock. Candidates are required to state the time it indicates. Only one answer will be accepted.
11:20:34
